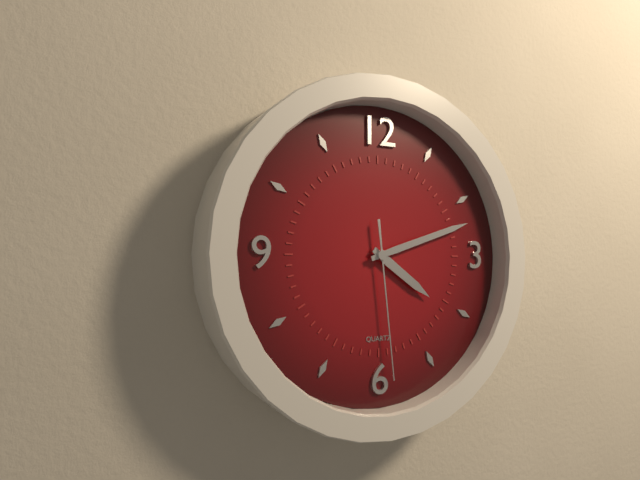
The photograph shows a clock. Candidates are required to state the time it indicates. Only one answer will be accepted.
4:12:29
